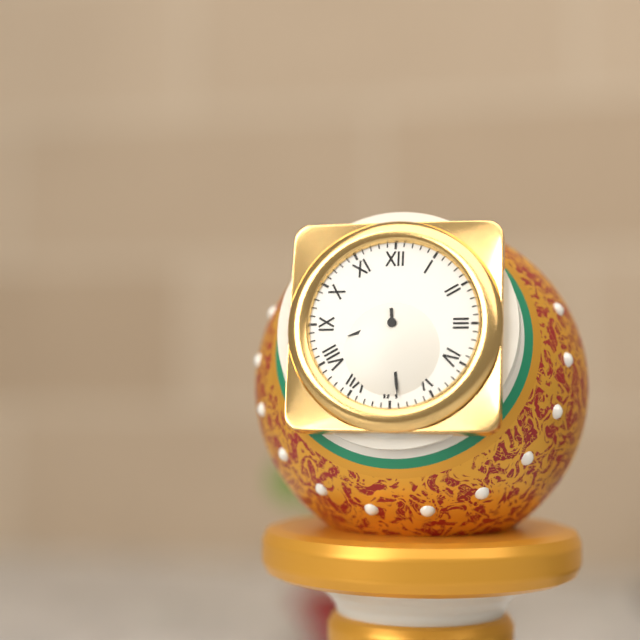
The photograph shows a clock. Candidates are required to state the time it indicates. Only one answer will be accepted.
8:29
